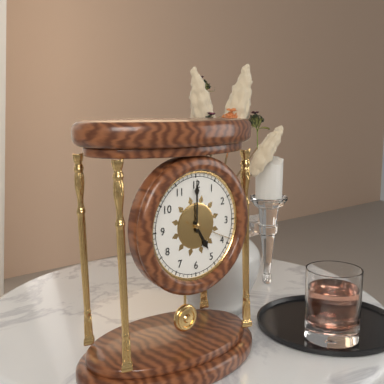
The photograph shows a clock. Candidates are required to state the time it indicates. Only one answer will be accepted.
5:00
